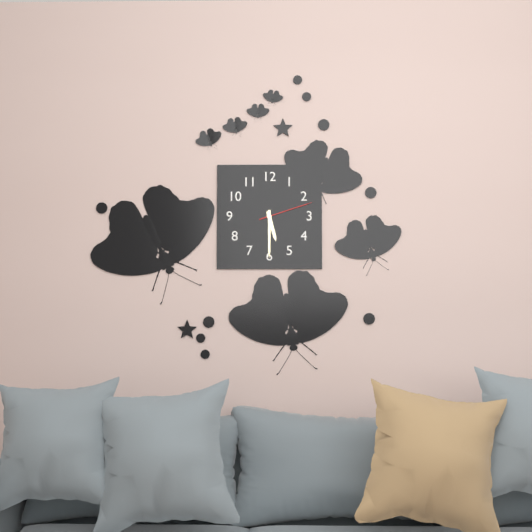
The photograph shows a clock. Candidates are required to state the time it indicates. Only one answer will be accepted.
5:30:12
